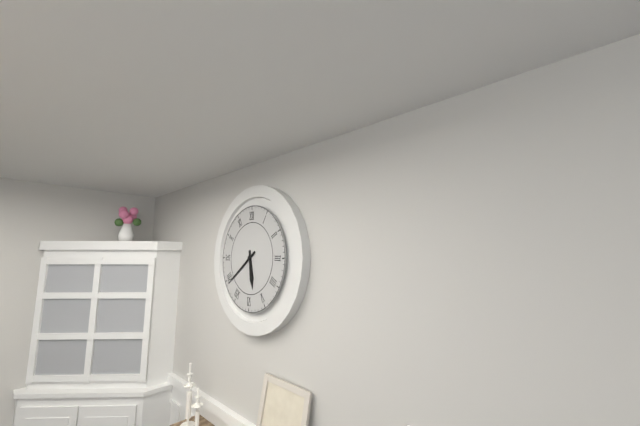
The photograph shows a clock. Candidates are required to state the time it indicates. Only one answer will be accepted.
5:39
